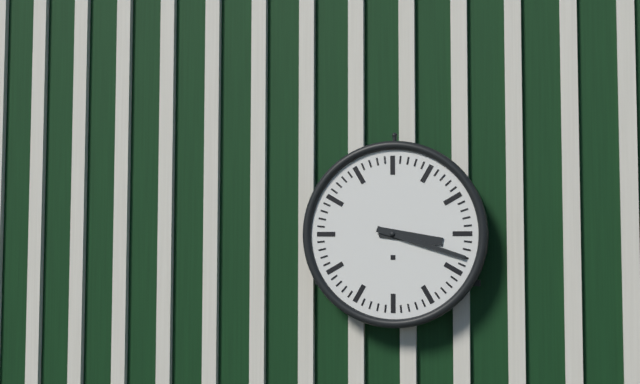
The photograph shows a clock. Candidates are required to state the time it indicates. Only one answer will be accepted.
3:18
